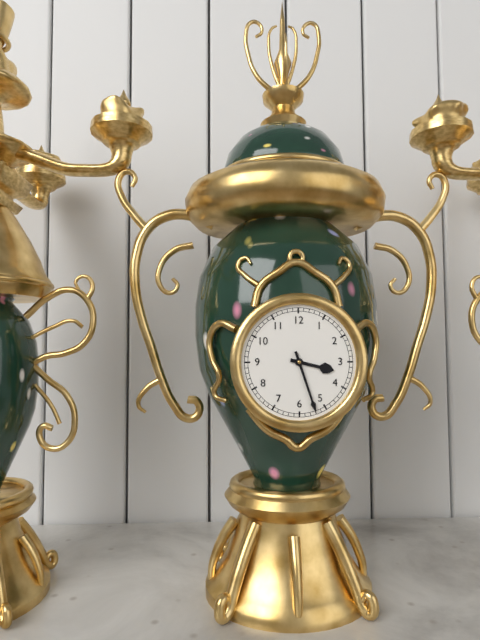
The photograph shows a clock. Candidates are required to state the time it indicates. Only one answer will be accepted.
3:27
